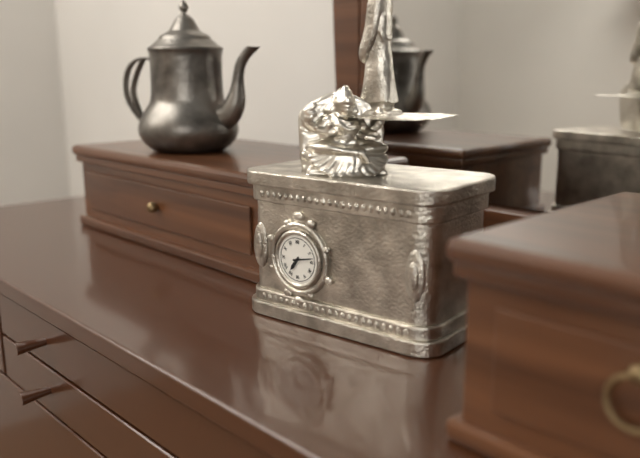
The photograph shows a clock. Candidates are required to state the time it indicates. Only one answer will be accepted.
7:13
